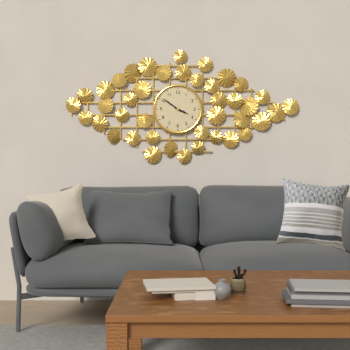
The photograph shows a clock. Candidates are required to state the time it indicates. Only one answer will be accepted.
3:51
